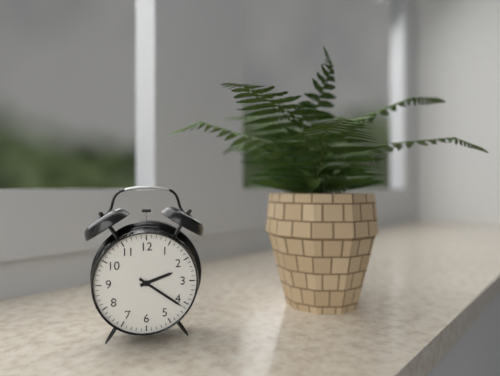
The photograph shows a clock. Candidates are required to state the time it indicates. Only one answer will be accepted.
2:21
